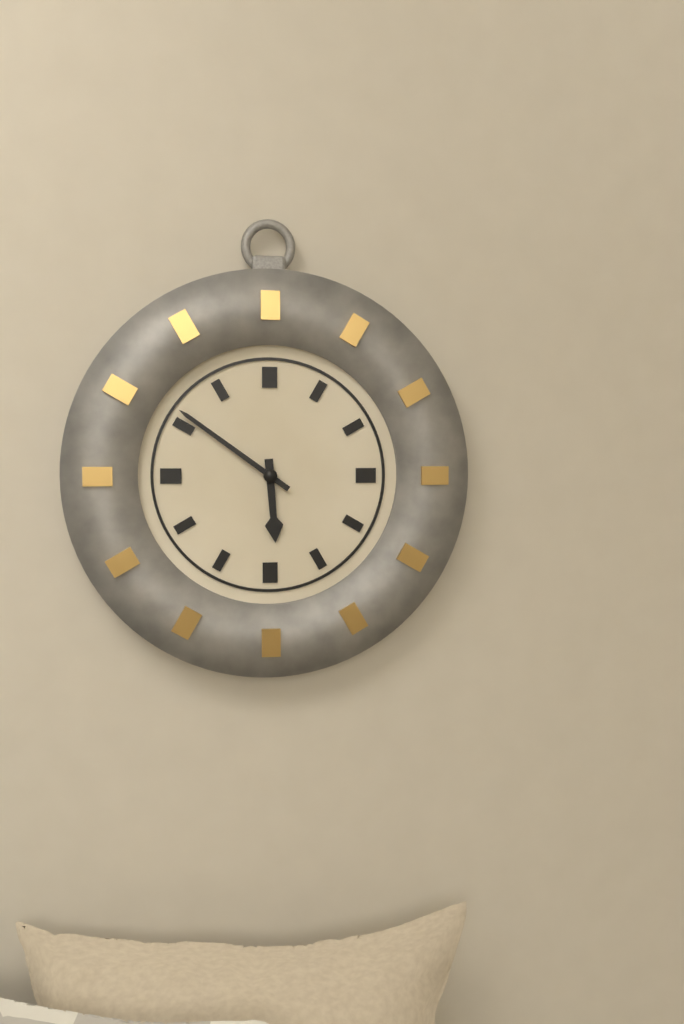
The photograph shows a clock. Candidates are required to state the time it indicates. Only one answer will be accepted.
5:51
